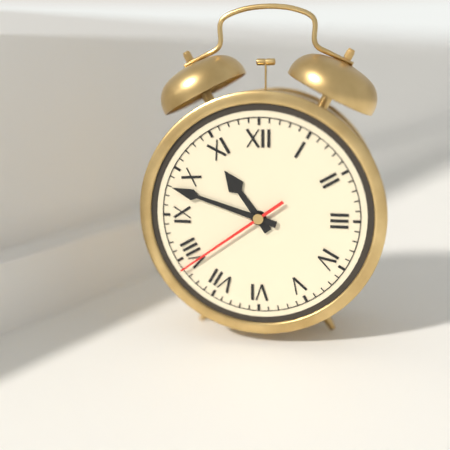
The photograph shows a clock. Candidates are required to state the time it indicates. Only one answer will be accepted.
10:48:39
